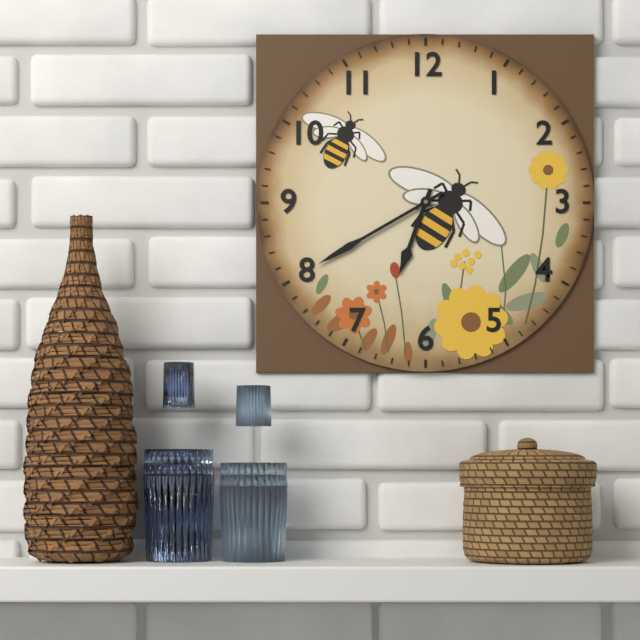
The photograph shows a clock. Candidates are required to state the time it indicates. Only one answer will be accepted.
6:40
